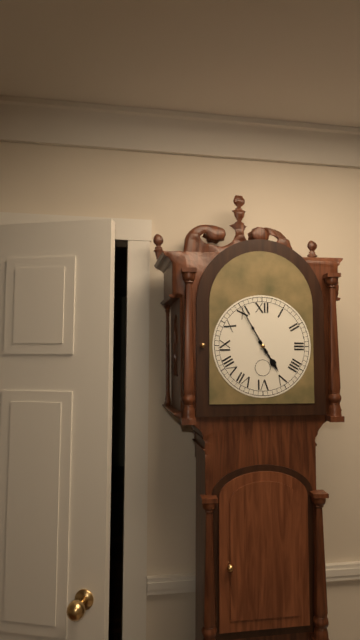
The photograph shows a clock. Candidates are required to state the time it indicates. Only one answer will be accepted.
4:55
